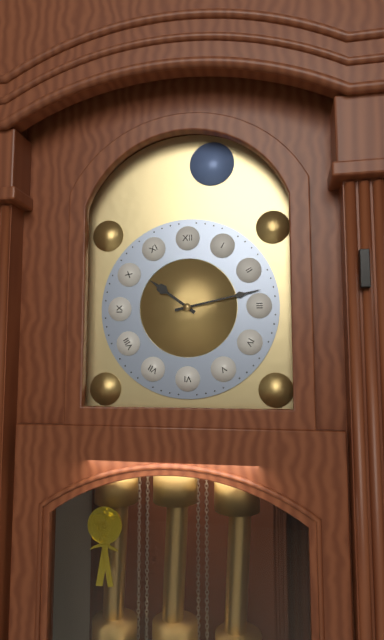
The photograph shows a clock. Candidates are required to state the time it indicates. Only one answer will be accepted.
10:13
